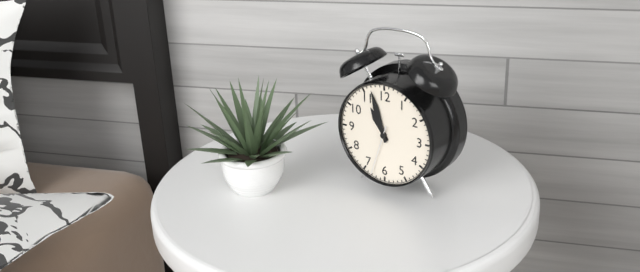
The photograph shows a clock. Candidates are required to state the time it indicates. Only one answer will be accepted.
10:57:33
